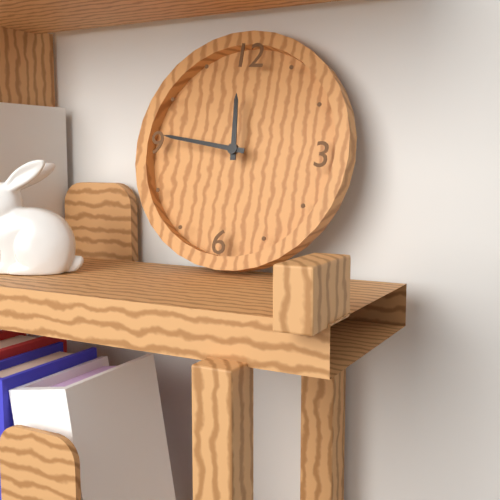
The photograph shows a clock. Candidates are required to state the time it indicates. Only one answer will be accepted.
11:46
